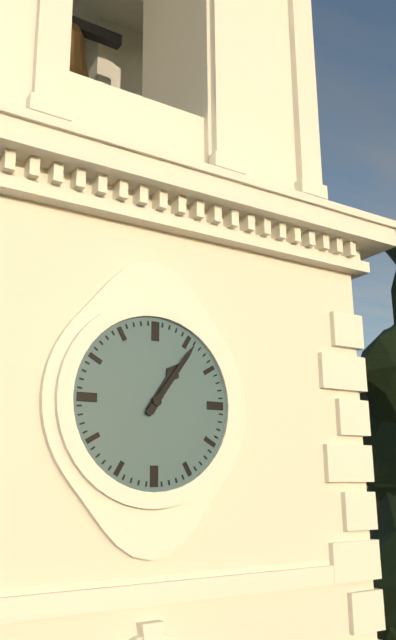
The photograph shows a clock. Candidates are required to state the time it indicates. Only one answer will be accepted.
1:06
